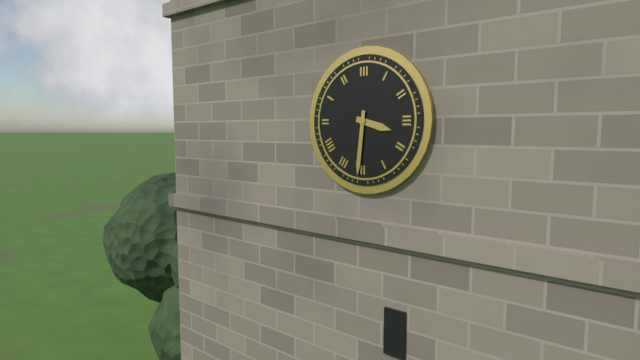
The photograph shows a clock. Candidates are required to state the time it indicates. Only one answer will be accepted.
3:31
